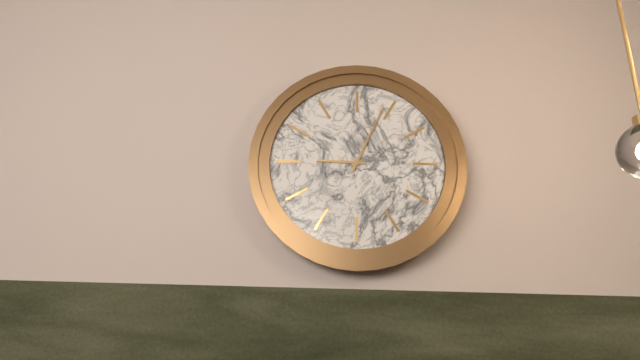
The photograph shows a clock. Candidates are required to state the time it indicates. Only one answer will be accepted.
9:04
